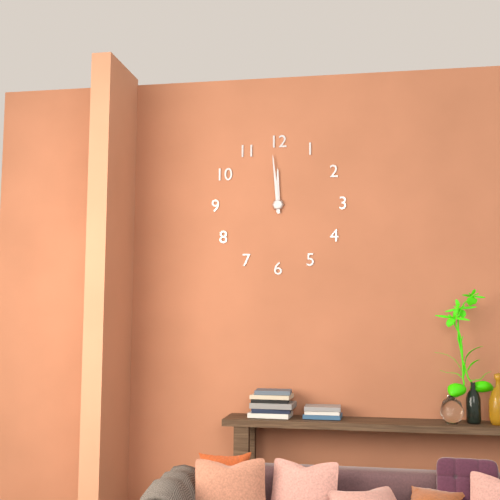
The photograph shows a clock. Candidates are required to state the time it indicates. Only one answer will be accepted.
11:59
